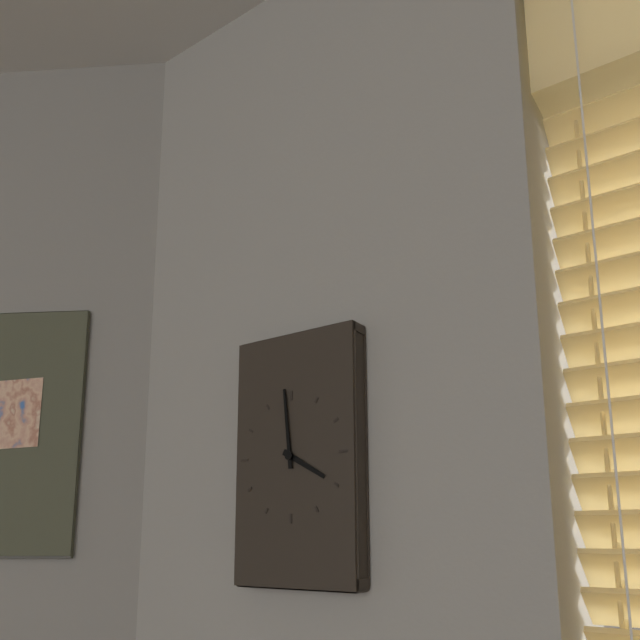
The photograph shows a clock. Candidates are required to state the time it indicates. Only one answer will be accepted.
3:59
